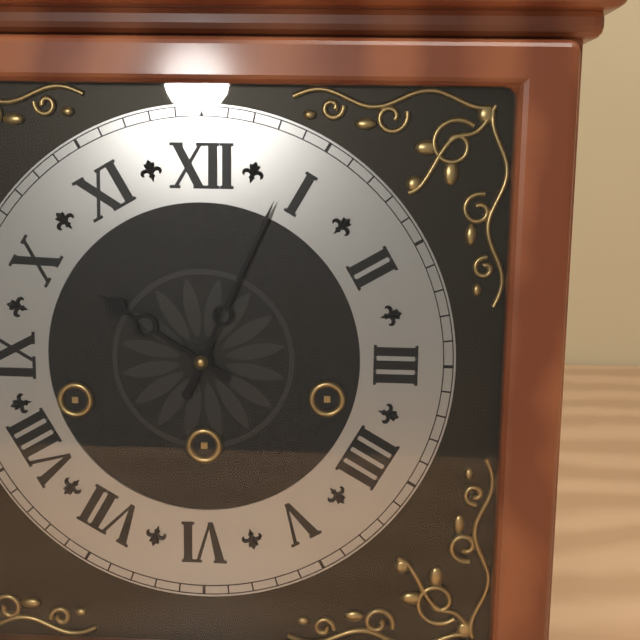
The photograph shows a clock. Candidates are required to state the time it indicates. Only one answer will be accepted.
10:04
